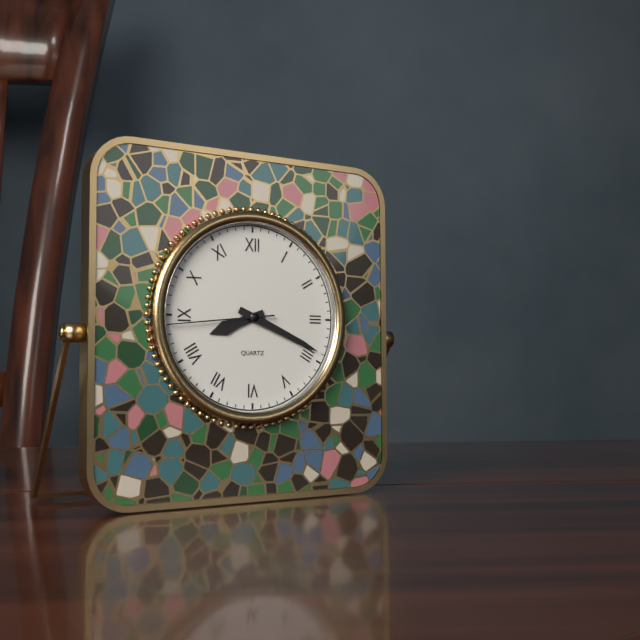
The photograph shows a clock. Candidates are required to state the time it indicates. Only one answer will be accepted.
8:19:44
